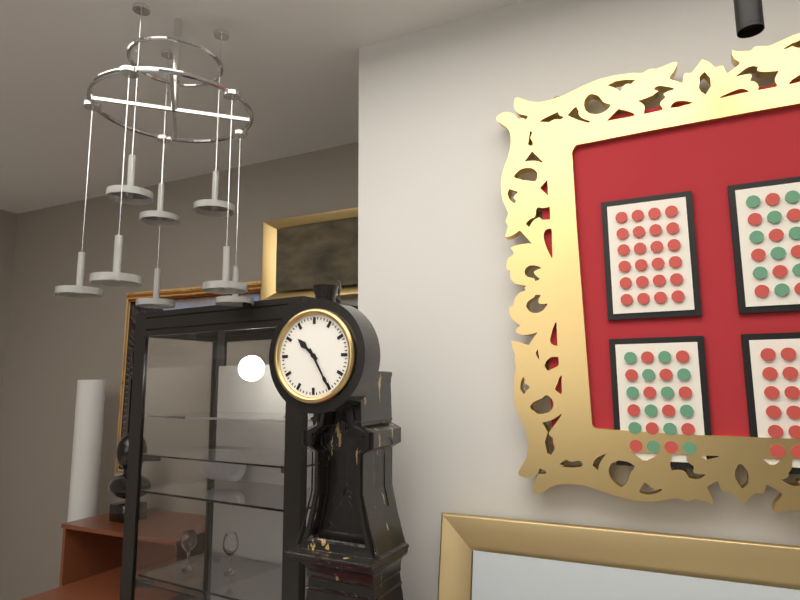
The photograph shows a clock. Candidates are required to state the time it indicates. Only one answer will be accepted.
10:25
